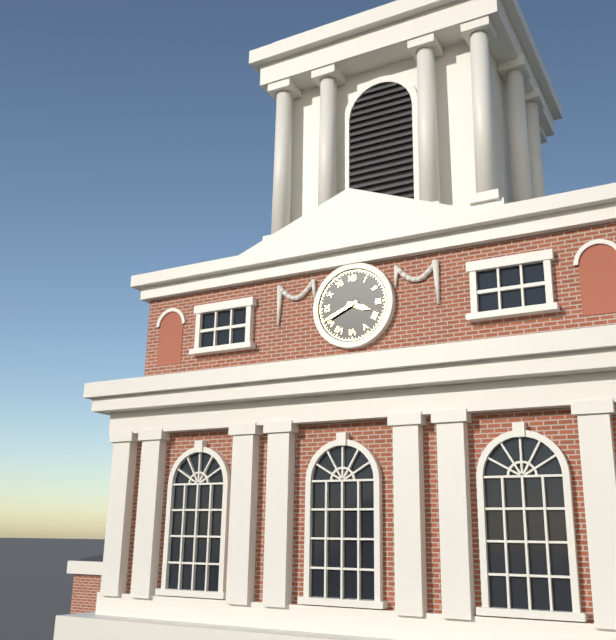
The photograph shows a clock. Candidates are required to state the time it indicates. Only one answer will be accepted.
3:41
